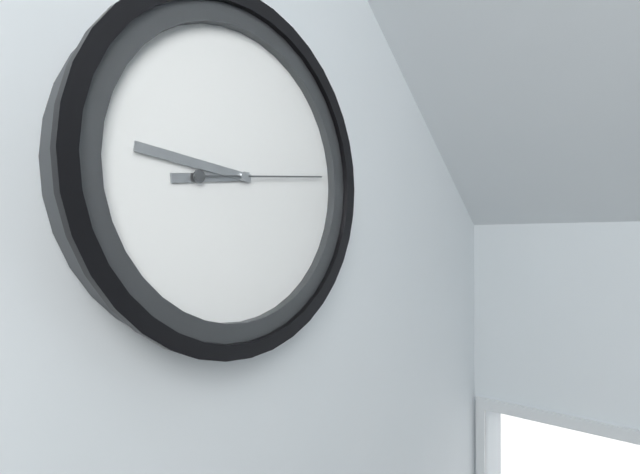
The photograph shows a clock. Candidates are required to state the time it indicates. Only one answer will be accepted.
8:46:14
